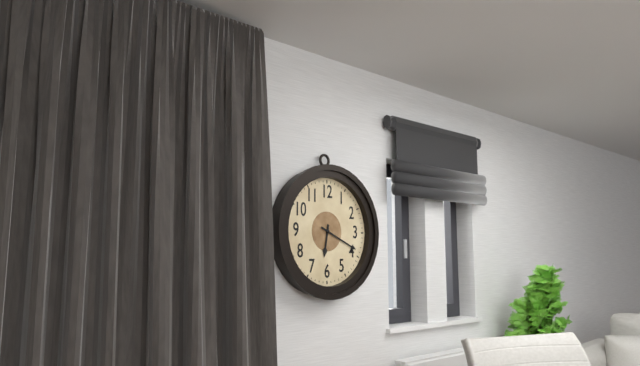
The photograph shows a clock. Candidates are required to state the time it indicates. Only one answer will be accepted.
6:19
